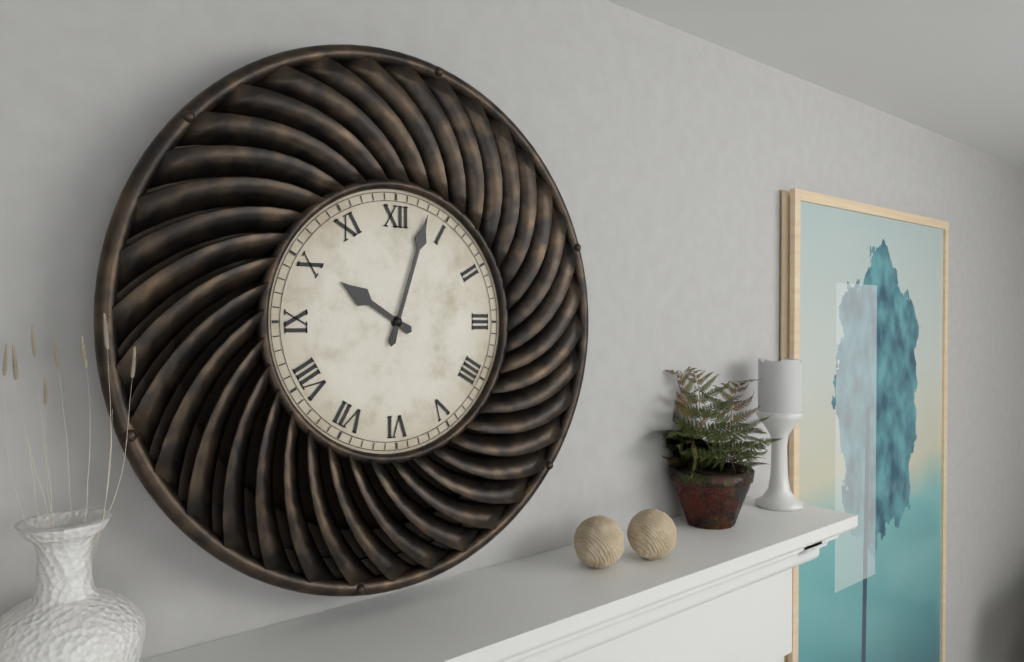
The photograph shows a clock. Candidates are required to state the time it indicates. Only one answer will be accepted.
10:03
